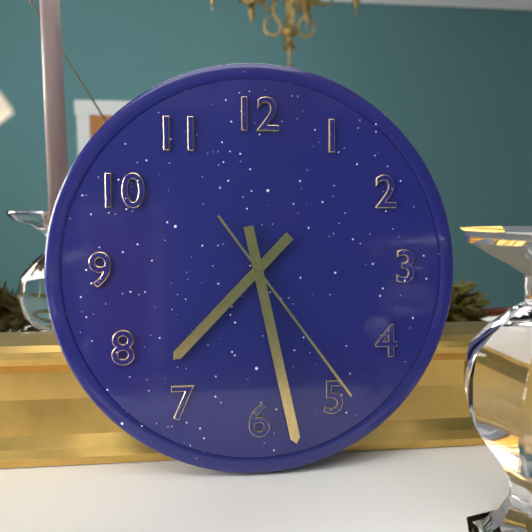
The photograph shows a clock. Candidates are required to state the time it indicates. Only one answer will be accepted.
7:28:24
